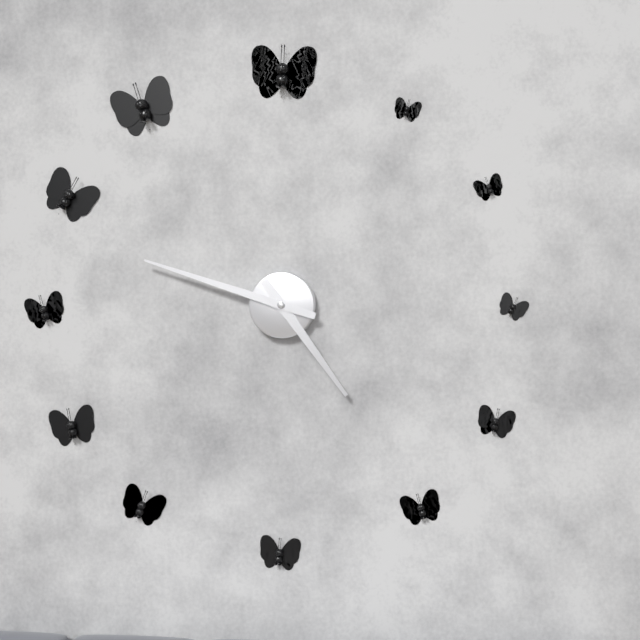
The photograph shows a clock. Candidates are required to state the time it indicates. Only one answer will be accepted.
4:48
